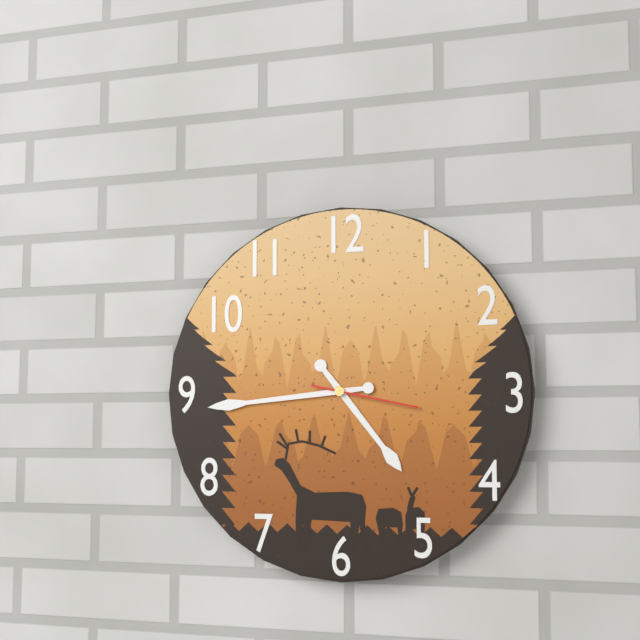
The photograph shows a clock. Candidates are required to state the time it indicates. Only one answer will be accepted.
4:44:17
